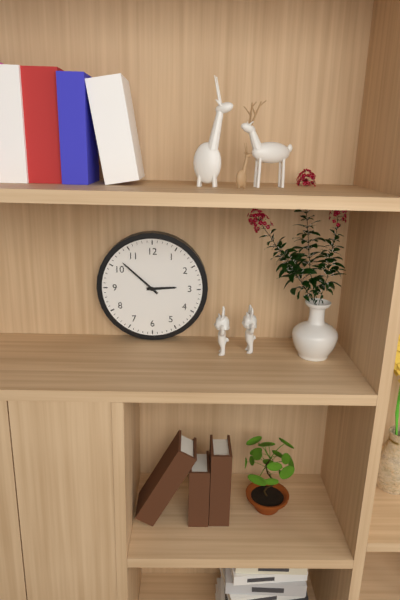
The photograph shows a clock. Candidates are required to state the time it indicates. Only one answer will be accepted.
2:52
